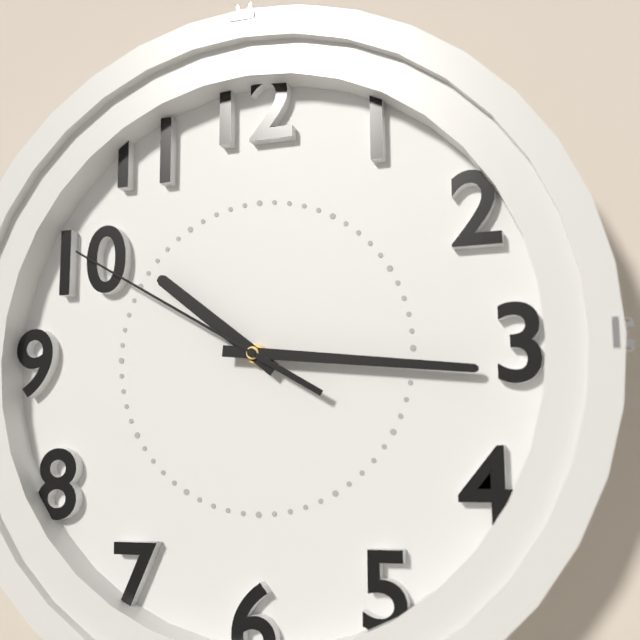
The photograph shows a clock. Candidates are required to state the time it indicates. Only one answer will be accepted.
10:16:50
